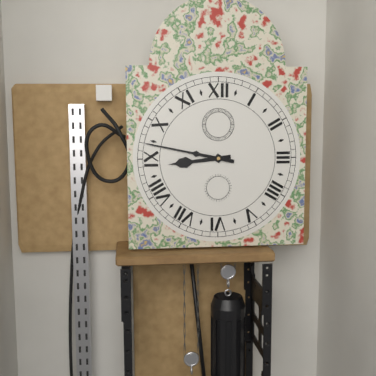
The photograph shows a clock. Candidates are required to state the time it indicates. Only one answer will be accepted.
8:47
